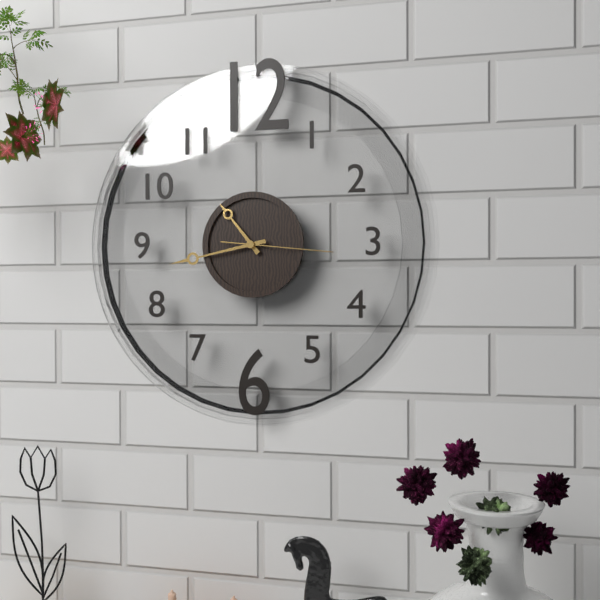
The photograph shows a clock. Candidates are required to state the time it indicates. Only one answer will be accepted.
10:43:16
